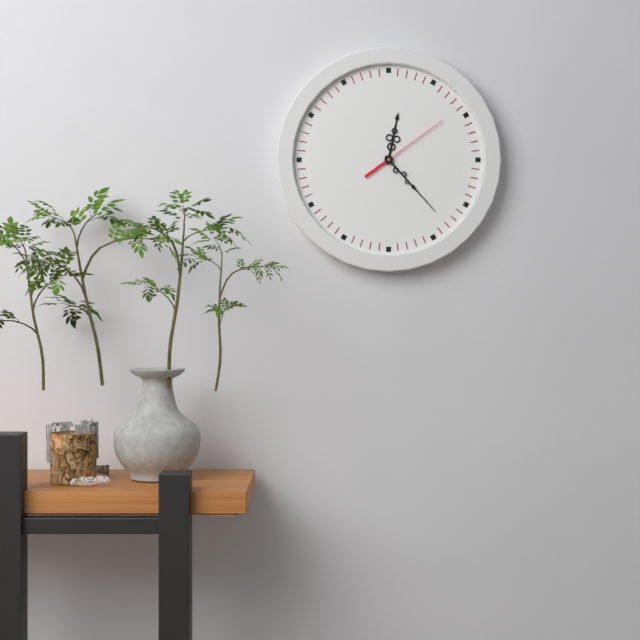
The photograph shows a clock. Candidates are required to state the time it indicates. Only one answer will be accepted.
12:23:09
